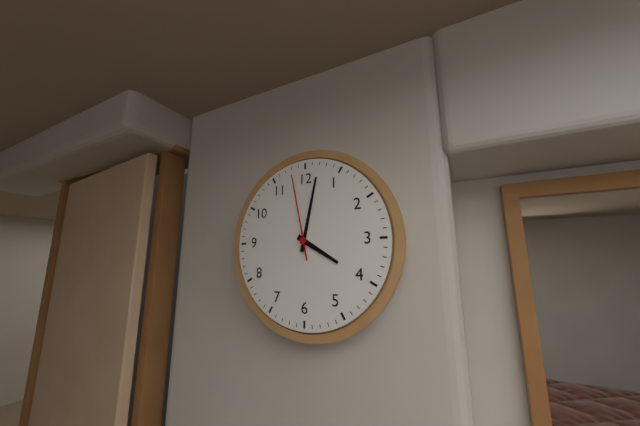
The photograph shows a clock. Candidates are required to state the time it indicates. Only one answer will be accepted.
4:02:58
